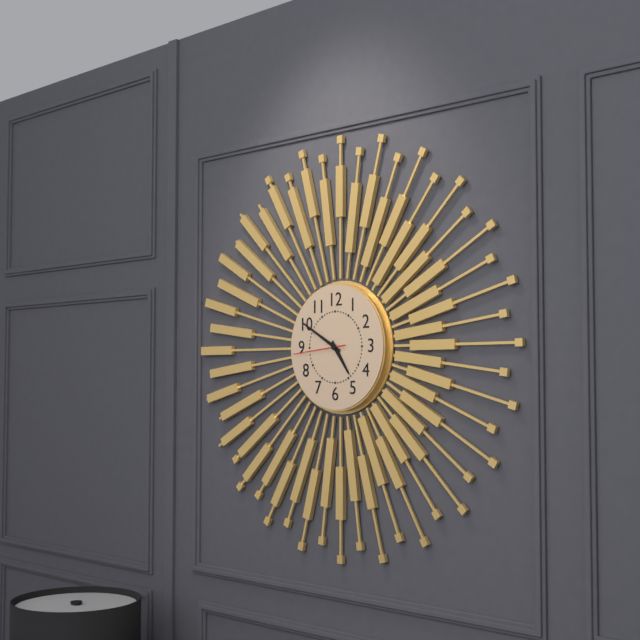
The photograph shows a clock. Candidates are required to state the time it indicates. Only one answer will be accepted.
4:50:44
